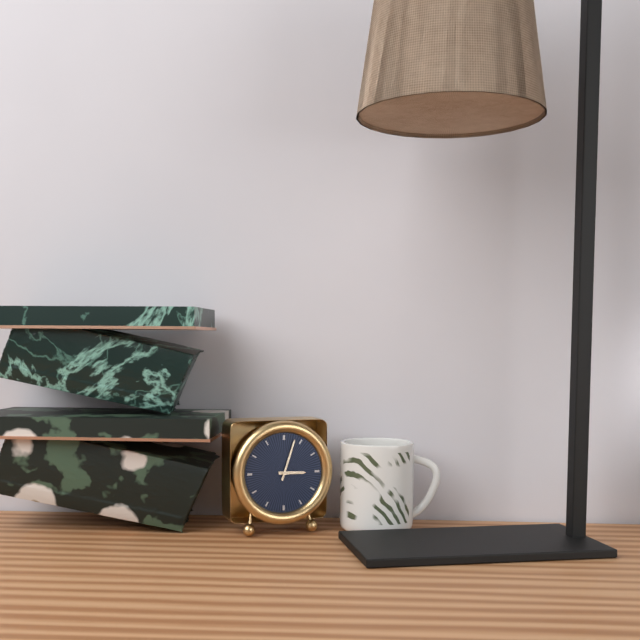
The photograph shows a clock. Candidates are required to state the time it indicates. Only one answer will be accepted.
3:03
